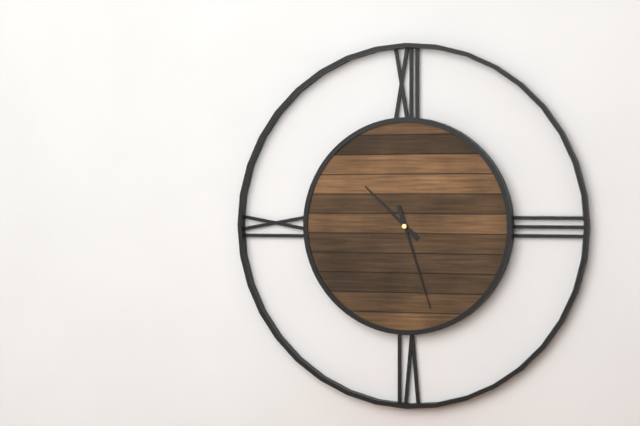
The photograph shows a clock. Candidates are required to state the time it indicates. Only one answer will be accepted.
10:27
